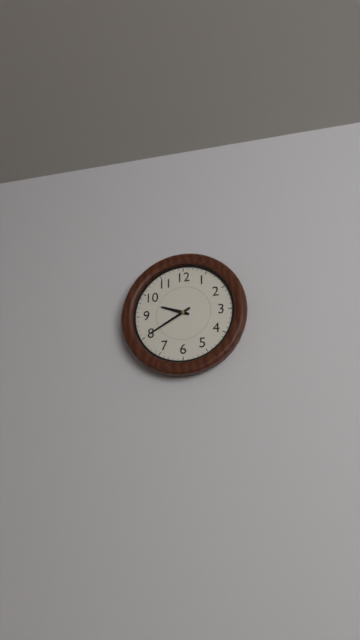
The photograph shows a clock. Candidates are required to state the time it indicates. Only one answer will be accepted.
9:40
